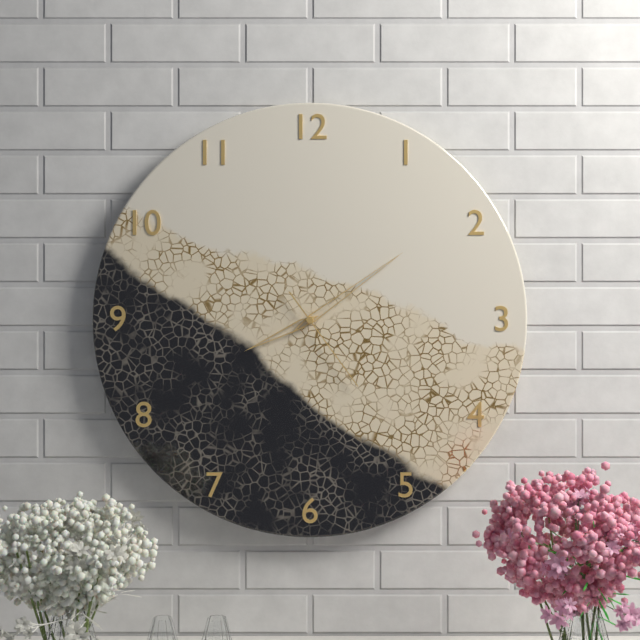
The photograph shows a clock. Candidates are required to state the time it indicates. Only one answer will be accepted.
8:09:24
